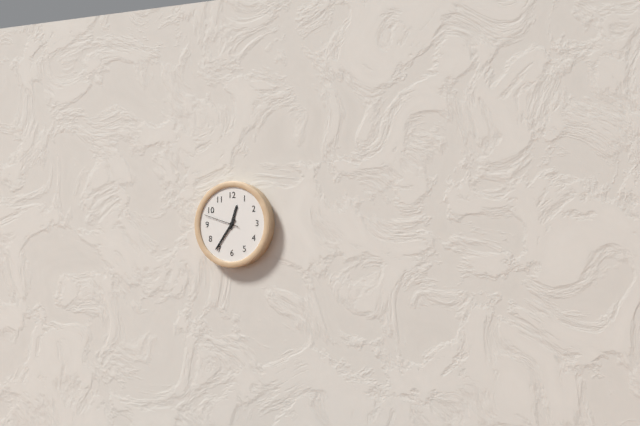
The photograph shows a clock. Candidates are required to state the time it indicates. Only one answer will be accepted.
12:36
